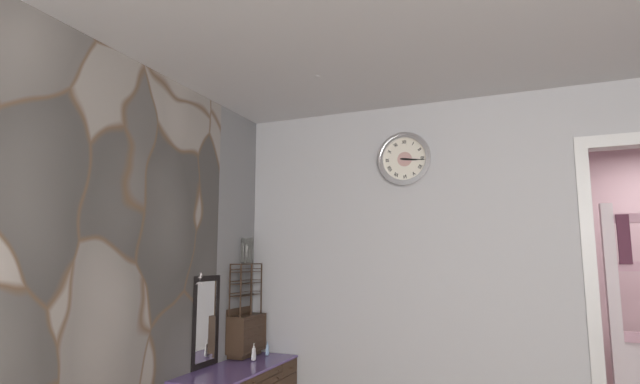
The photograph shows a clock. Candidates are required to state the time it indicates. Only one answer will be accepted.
3:16
